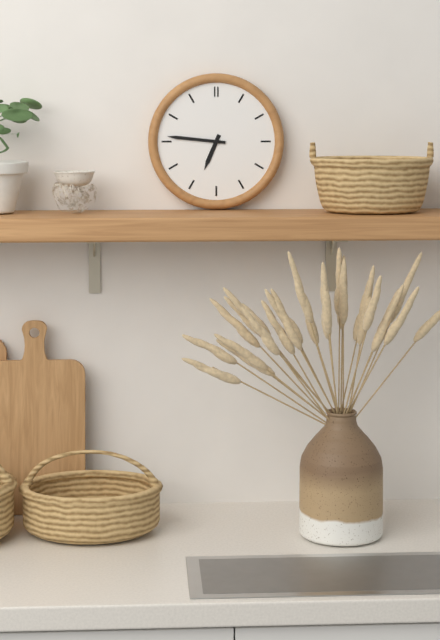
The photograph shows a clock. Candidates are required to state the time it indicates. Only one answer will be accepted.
6:46
